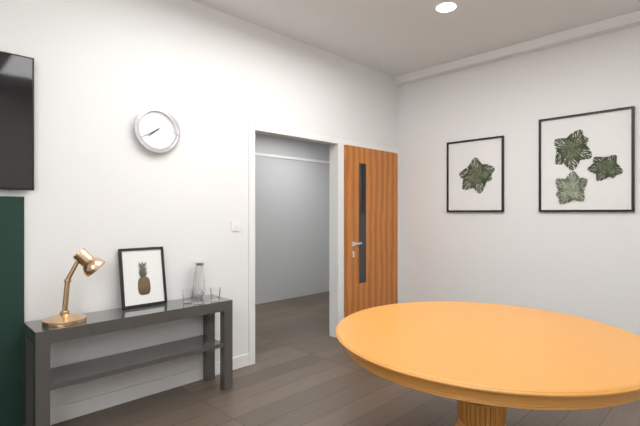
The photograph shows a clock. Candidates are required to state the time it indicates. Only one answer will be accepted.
7:40
